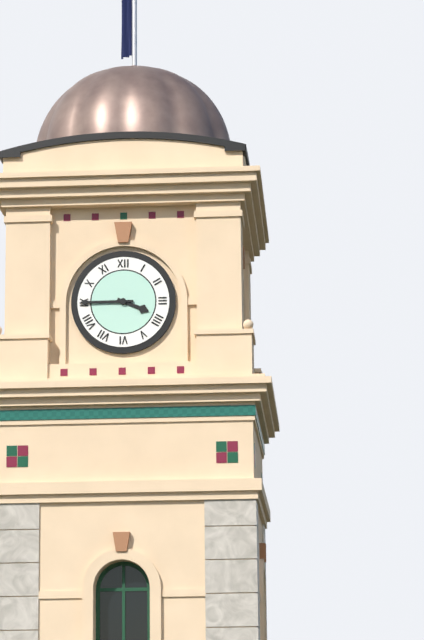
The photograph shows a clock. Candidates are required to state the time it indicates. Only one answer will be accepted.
3:45
